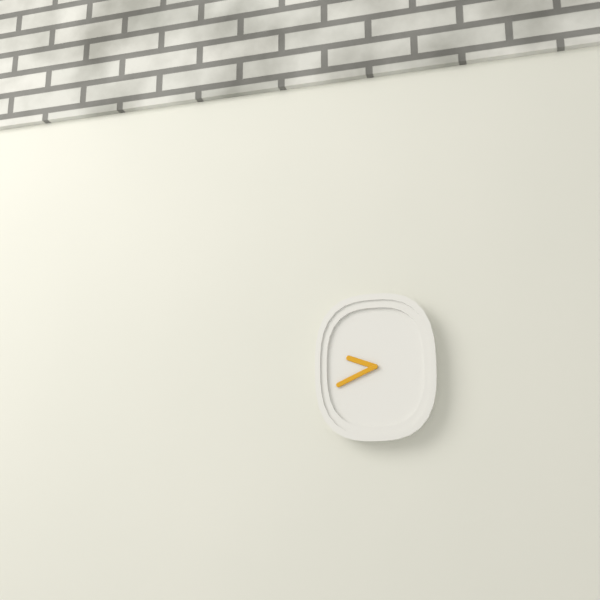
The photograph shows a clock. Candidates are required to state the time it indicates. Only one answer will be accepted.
9:41
